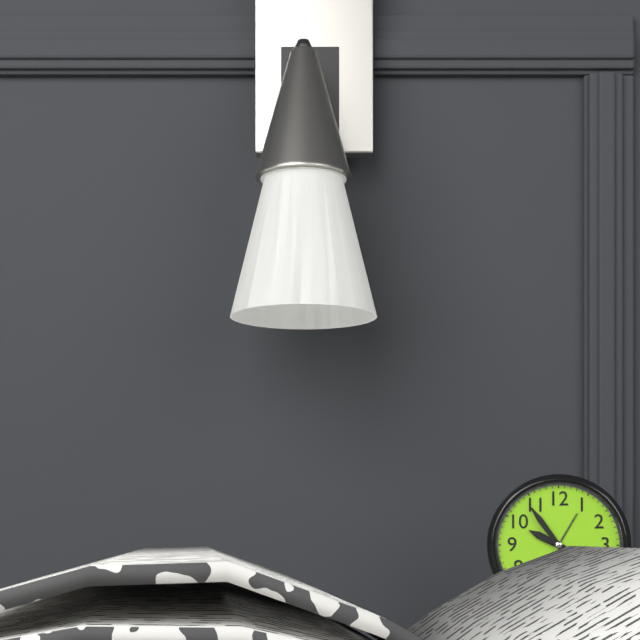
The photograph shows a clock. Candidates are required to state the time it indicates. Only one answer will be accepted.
9:54
